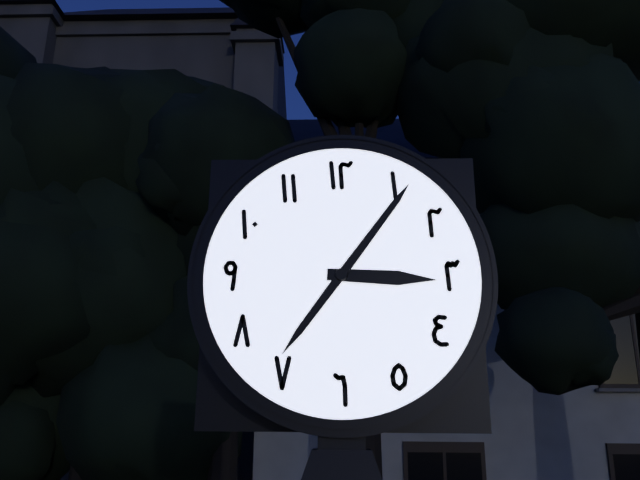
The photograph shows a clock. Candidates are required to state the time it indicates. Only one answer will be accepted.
3:06
